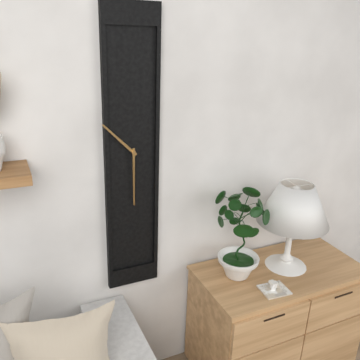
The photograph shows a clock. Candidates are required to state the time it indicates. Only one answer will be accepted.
10:30
